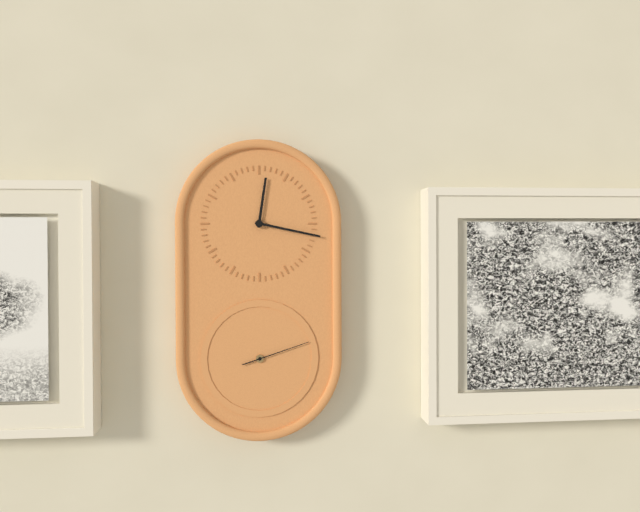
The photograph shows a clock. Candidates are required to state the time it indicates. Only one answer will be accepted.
12:17:12
